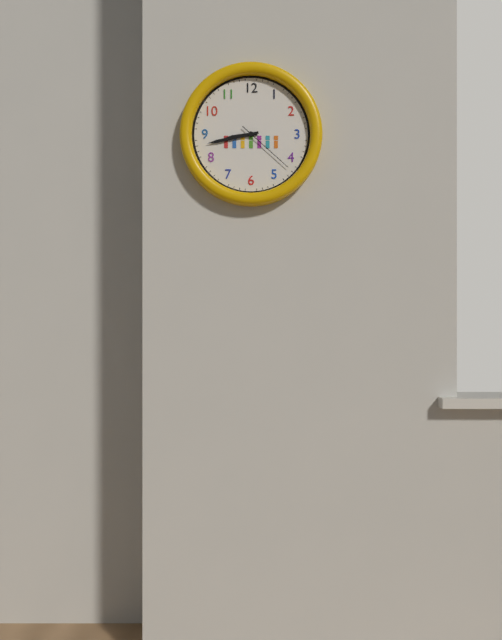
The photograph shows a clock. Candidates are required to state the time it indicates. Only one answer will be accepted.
8:43:22
